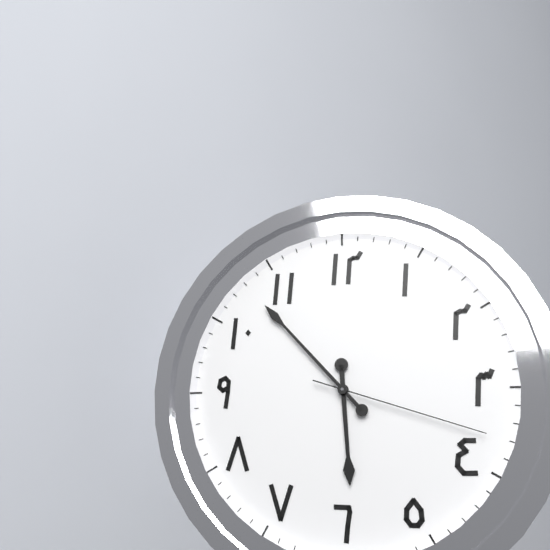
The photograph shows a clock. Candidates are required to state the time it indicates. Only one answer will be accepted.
5:53:18
